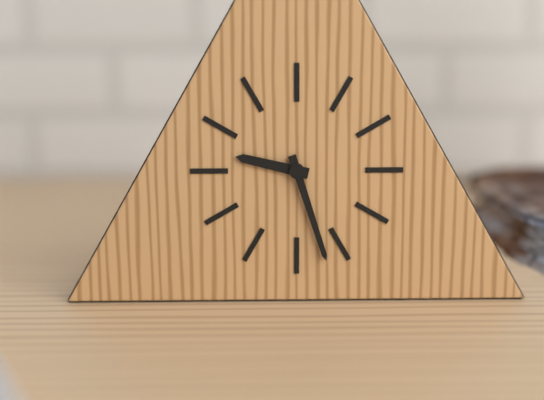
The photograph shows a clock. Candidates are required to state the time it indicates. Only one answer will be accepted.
9:27
